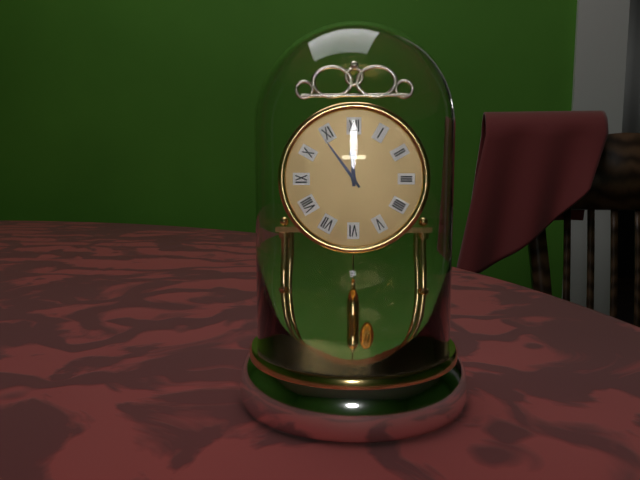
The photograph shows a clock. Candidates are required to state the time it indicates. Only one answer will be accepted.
11:54
